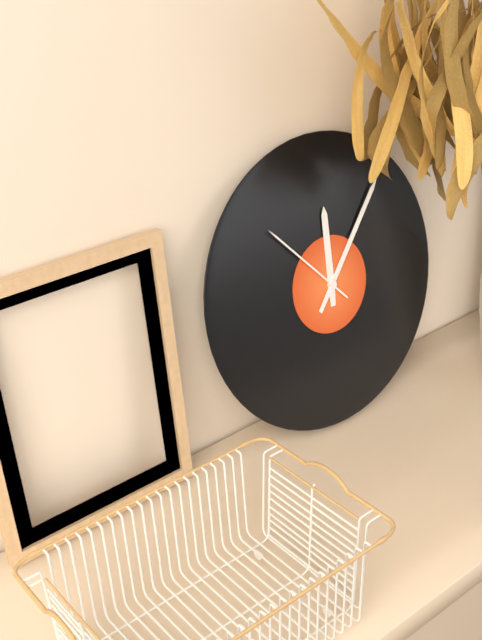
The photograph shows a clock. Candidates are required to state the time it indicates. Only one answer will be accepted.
12:07:53
